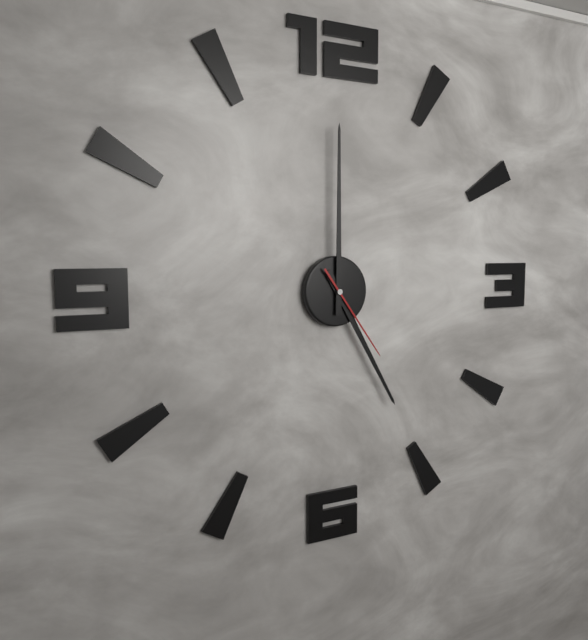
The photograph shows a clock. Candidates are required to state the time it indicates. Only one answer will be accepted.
5:00:24
